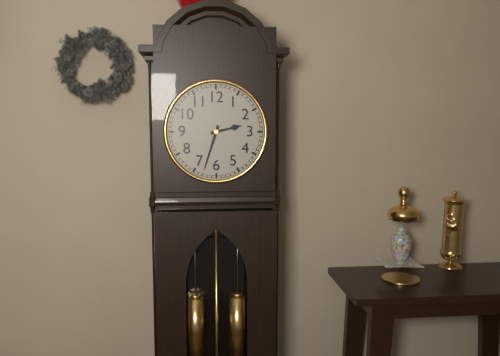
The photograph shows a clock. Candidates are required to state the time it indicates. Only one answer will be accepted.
2:33
